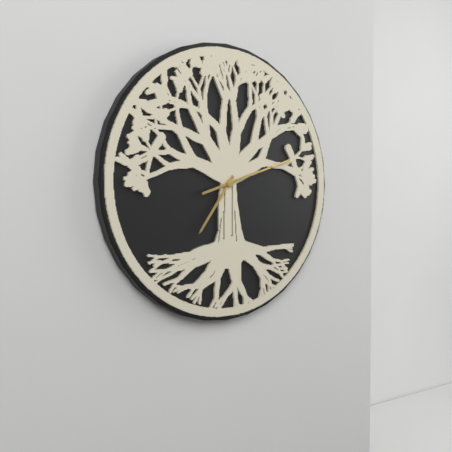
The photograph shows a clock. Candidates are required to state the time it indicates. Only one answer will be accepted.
7:12
